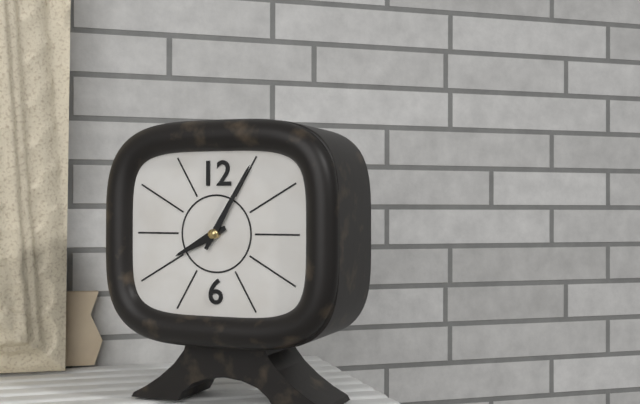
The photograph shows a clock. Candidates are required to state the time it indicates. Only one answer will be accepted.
8:05
